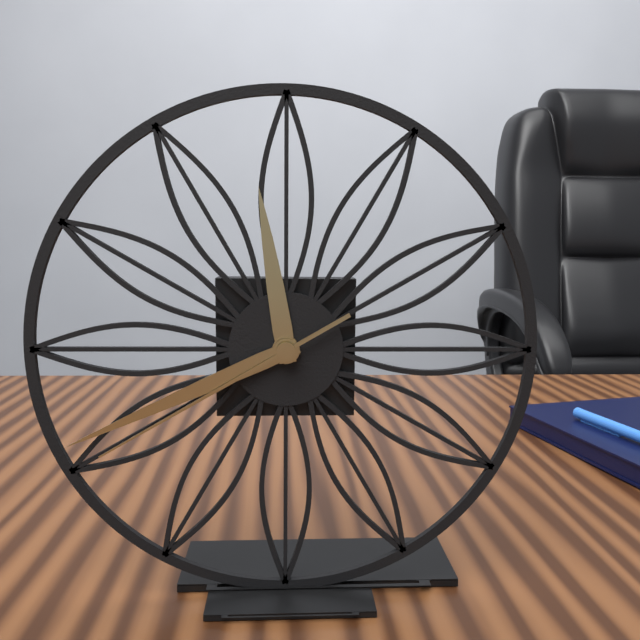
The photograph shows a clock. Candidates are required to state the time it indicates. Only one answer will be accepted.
11:41:40
